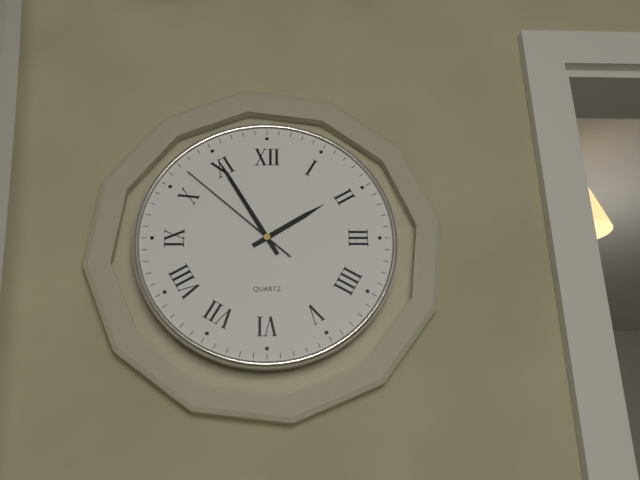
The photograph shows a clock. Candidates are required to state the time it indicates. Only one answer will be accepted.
1:55:52
